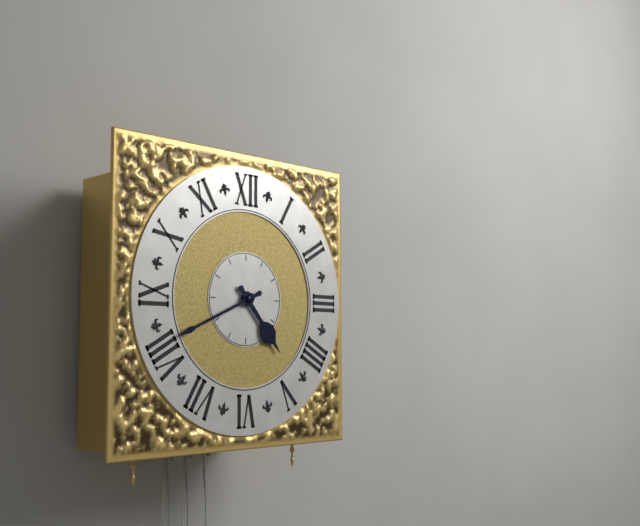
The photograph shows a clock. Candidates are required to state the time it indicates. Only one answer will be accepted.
4:41
